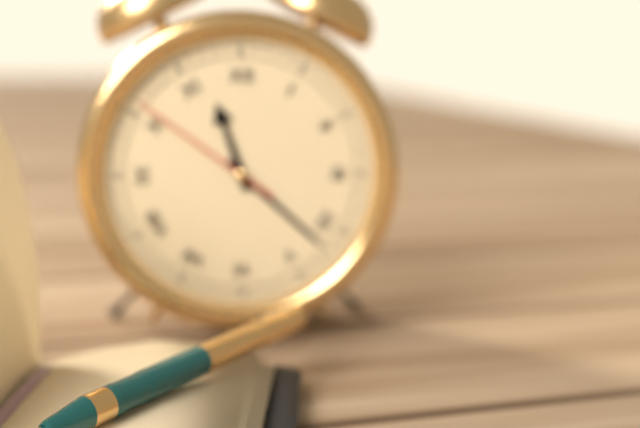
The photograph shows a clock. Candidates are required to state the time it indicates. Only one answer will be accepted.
11:22:51
